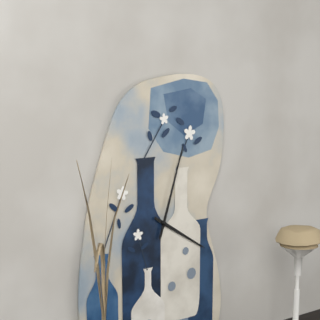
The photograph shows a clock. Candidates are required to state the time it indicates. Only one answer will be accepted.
4:03
